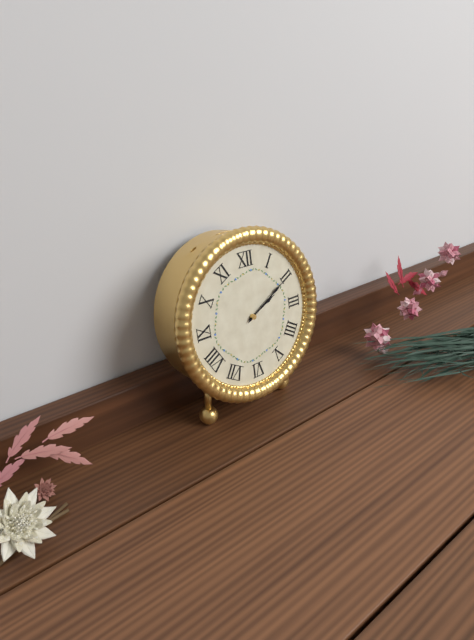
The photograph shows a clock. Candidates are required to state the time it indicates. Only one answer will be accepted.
2:10
